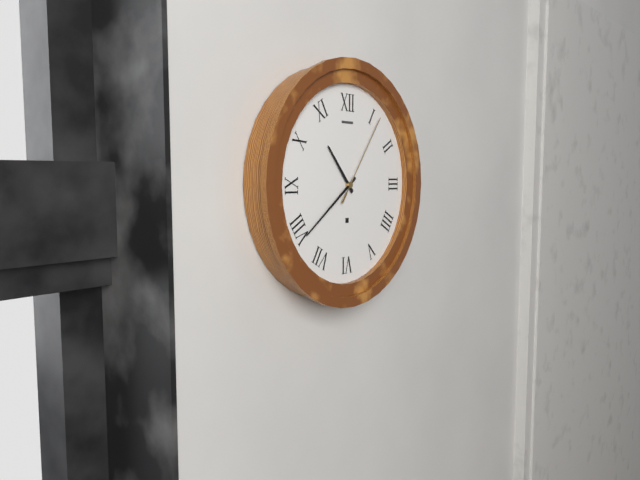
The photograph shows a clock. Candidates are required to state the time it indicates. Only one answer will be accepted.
10:39:06
